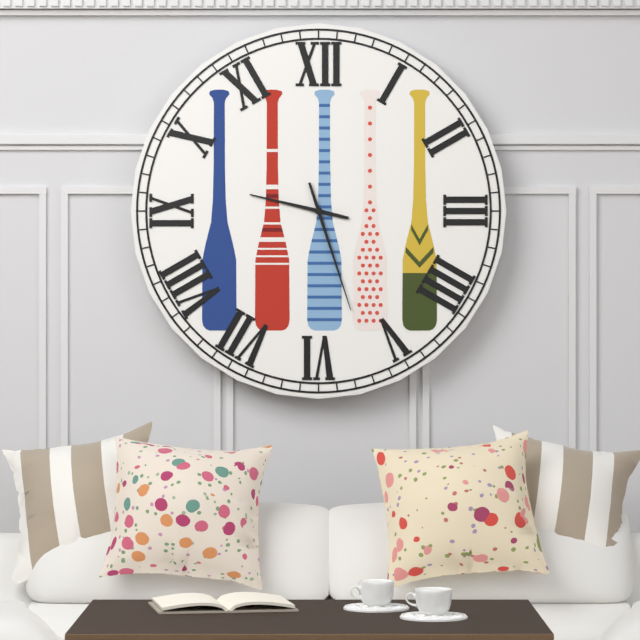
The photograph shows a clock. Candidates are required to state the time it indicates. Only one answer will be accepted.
9:27
